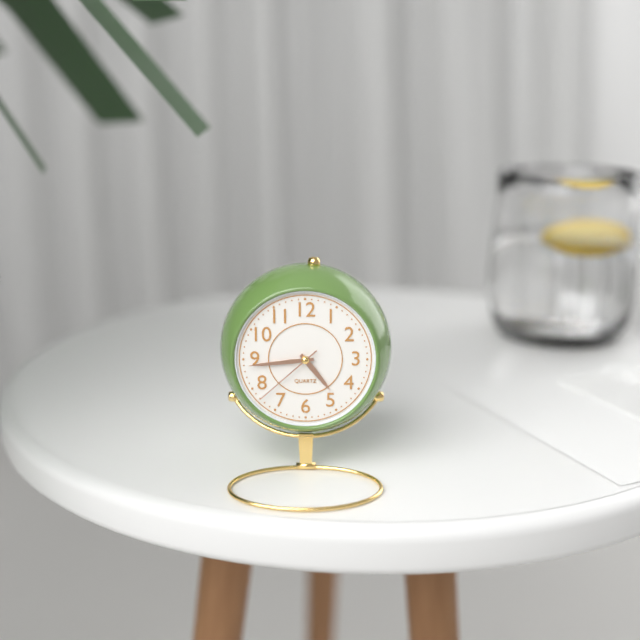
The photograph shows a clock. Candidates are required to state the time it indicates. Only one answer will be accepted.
4:44:38
